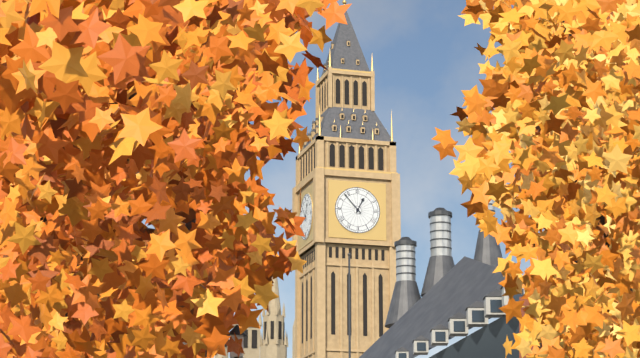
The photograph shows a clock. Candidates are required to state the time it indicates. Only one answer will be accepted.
12:53
